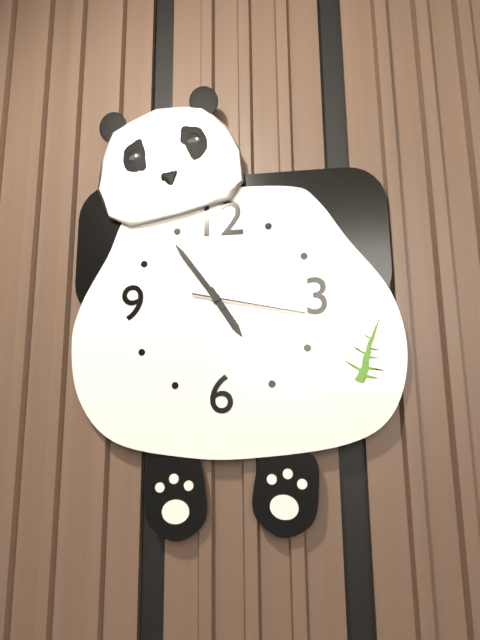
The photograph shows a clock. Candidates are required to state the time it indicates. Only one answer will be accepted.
4:54:17
